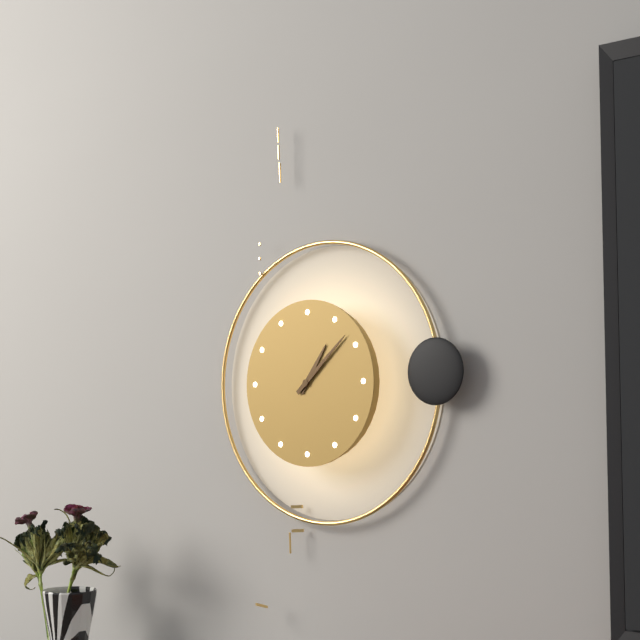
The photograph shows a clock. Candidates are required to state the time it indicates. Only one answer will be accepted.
1:08
